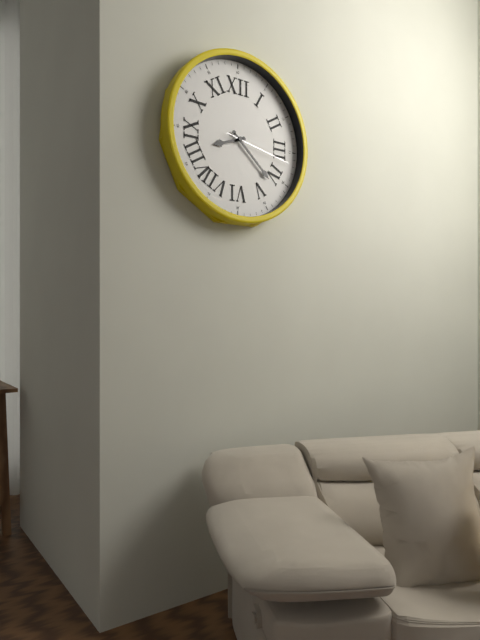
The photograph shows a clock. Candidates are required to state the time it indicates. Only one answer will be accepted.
8:22:17
